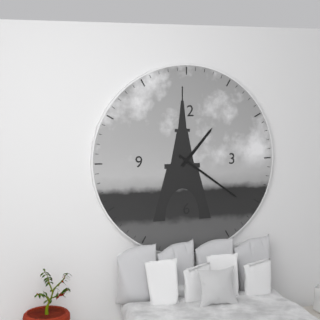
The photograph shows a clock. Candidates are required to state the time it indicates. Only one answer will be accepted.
1:21
